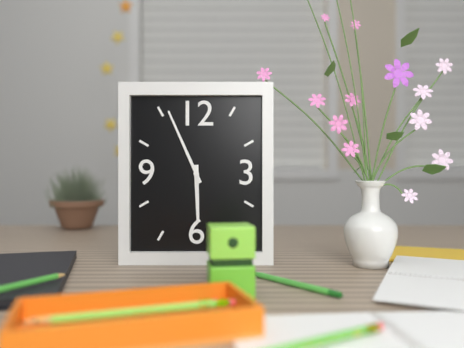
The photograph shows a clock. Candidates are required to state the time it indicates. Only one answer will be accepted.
5:56
